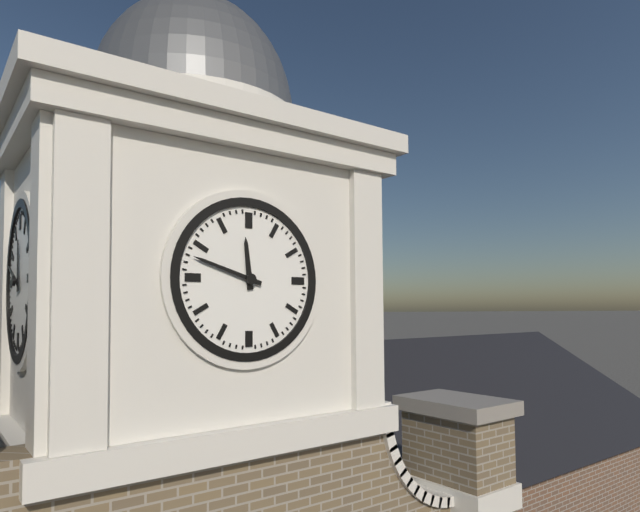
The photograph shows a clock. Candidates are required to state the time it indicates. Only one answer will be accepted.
11:48
